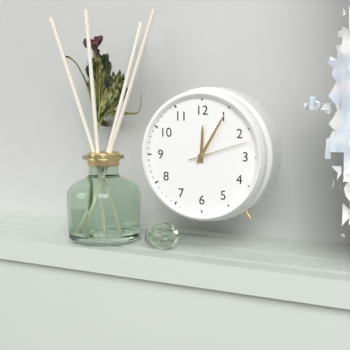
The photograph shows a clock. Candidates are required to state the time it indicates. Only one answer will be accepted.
12:05:12
